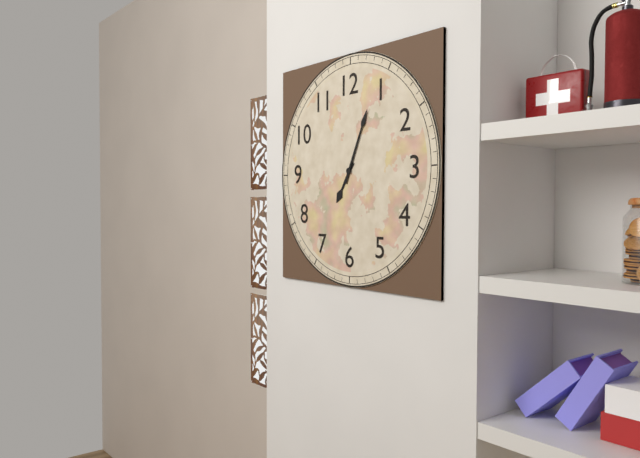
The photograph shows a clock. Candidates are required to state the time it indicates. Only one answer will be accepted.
7:04
